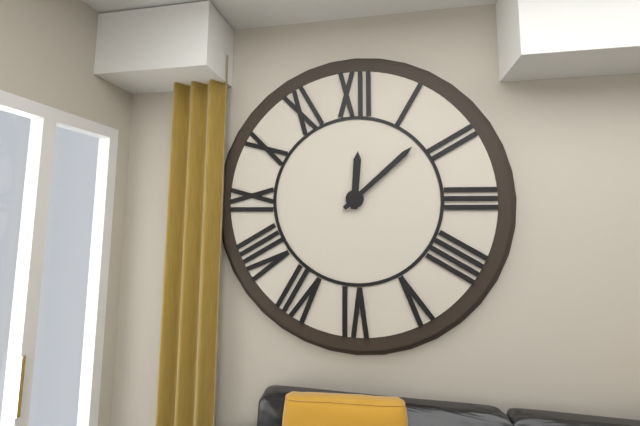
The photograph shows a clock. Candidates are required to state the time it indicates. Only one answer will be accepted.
12:08
